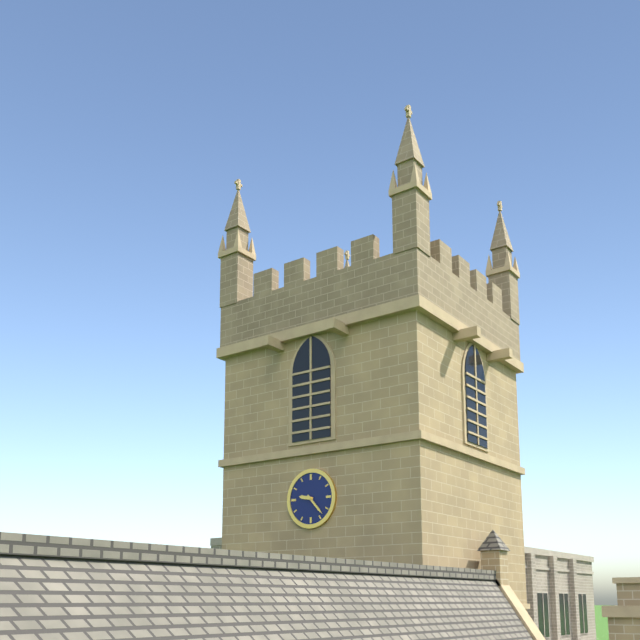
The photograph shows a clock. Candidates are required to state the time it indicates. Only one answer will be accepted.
9:23
